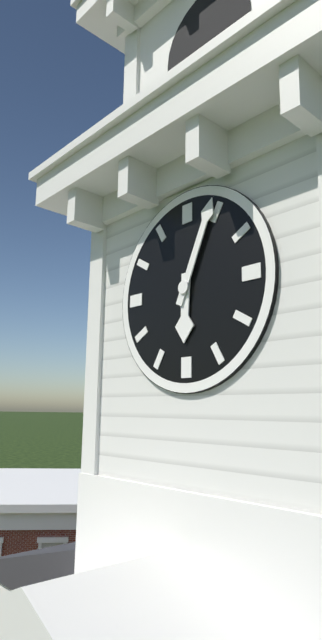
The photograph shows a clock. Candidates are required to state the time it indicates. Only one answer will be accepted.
6:04
